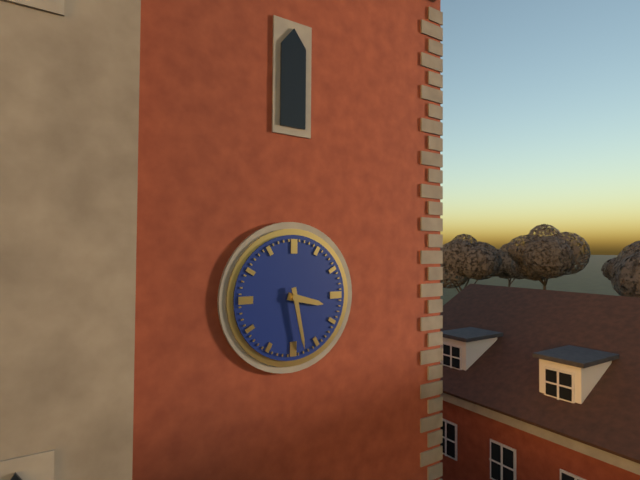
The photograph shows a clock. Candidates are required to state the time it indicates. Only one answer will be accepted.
3:28
